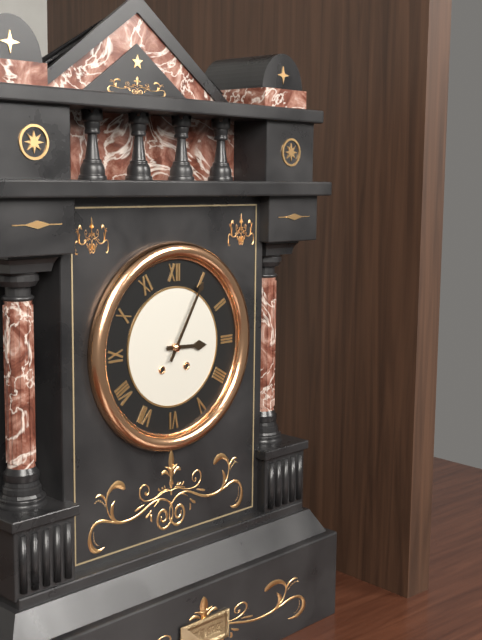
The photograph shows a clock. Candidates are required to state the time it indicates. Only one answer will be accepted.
3:05
